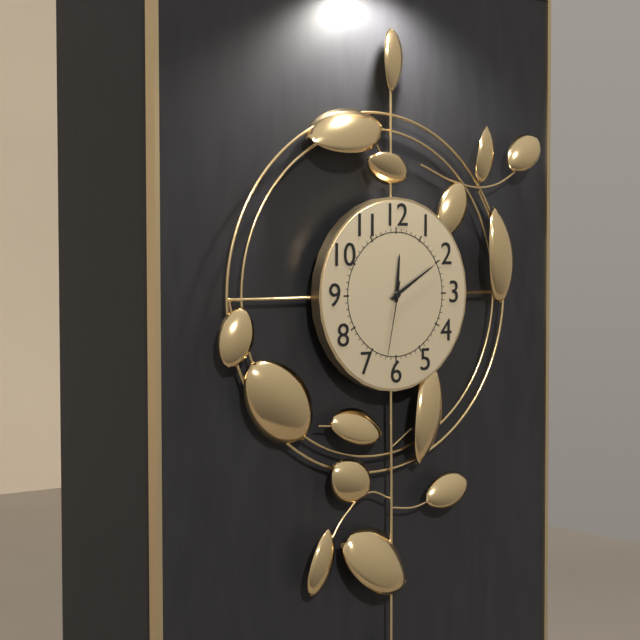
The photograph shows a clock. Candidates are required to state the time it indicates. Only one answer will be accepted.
12:10:32
